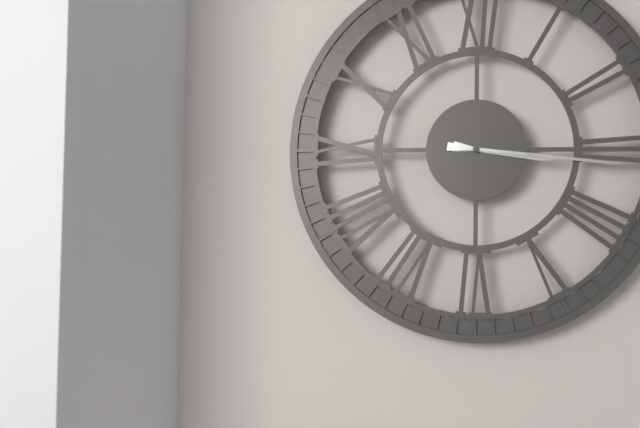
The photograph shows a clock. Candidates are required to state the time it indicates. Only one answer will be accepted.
3:16
